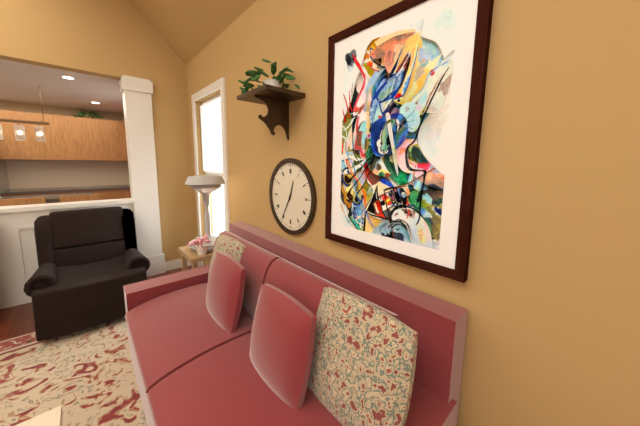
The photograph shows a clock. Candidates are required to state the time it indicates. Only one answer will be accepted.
12:35
